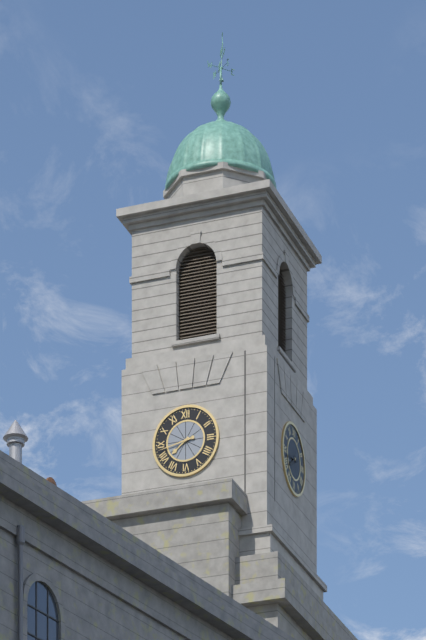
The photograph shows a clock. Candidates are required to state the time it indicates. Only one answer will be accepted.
7:43
